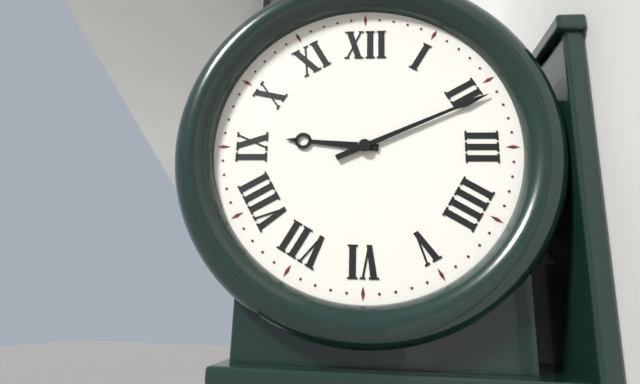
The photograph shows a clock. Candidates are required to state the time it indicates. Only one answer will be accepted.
9:11
